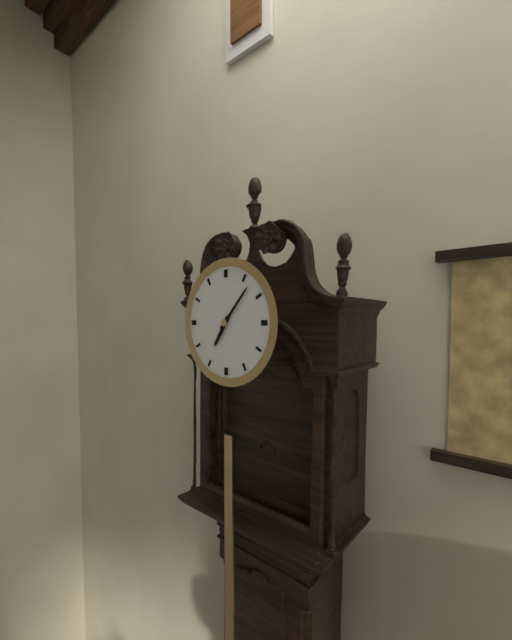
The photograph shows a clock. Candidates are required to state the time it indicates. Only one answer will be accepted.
7:07
